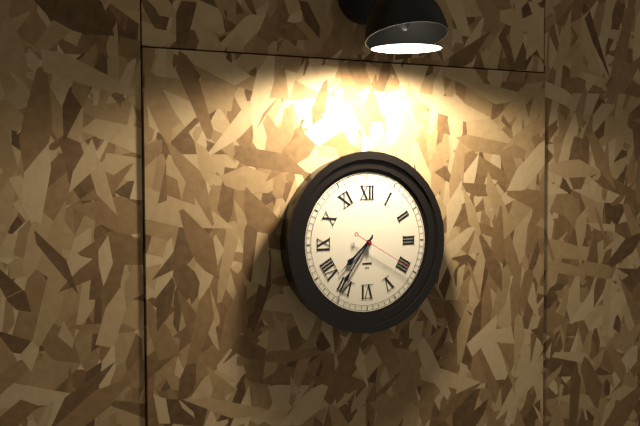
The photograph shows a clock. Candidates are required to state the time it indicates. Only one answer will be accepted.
7:36:20
